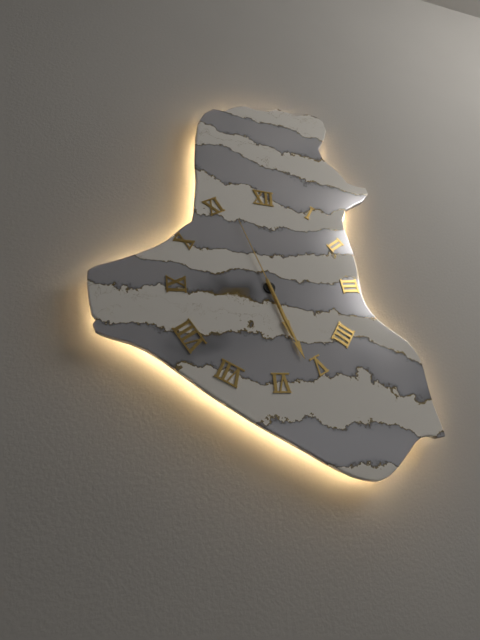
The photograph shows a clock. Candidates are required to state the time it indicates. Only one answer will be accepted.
5:27:57
